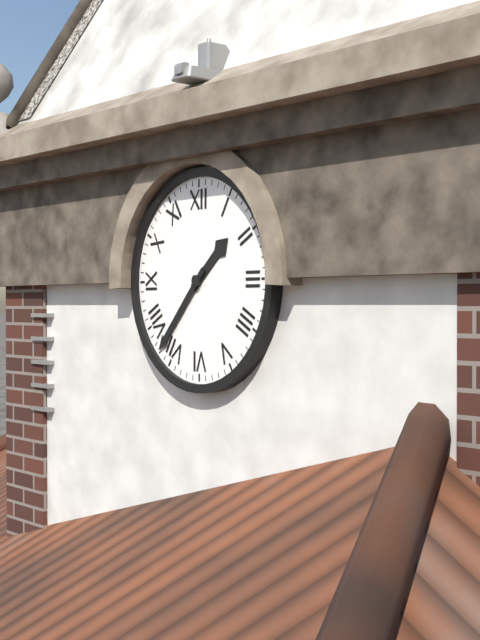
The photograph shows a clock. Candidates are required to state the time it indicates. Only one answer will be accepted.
1:37
